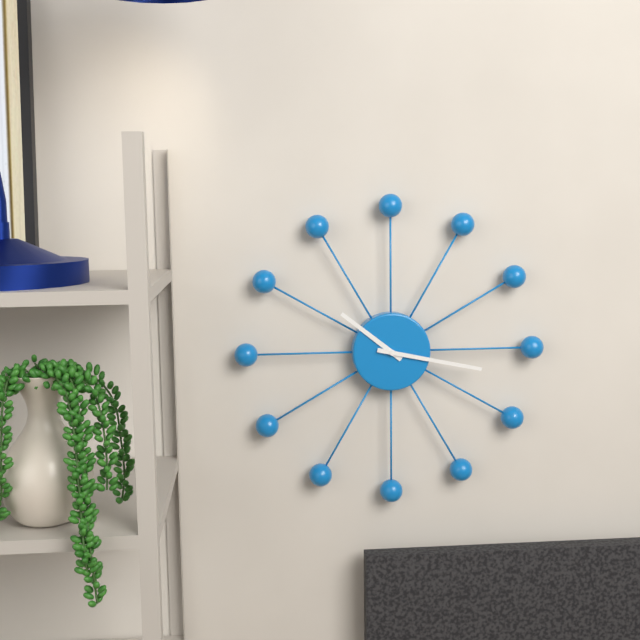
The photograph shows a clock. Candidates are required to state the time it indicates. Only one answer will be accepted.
10:17
